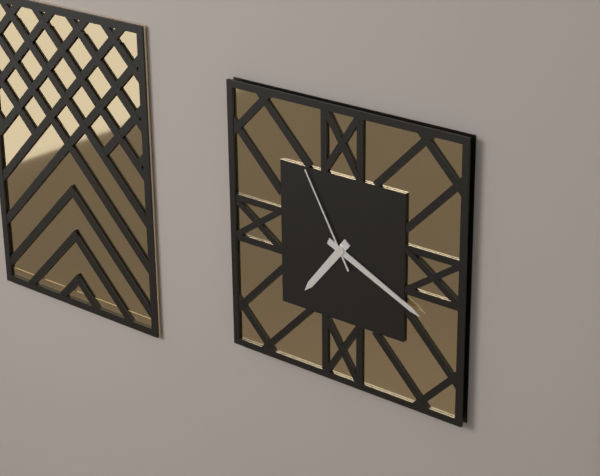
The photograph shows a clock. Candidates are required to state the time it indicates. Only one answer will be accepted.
7:19:55
